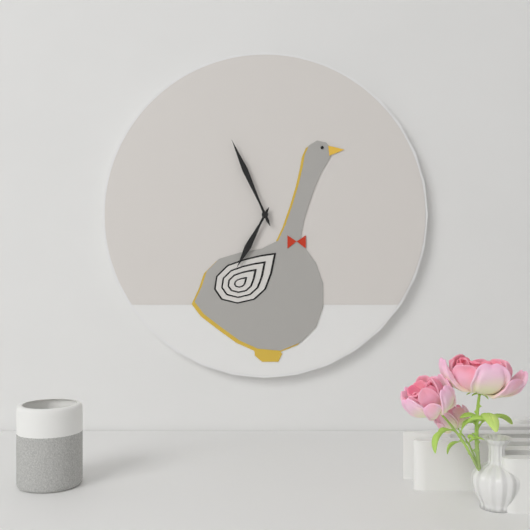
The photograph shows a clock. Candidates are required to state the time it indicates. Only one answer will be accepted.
6:56
